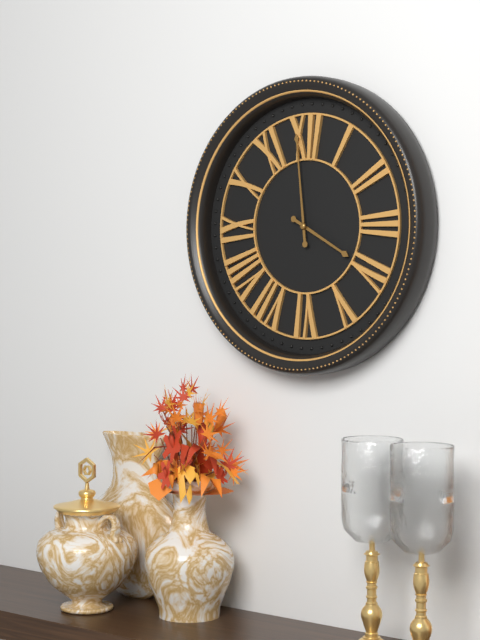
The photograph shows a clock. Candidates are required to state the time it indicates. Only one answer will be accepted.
3:59
